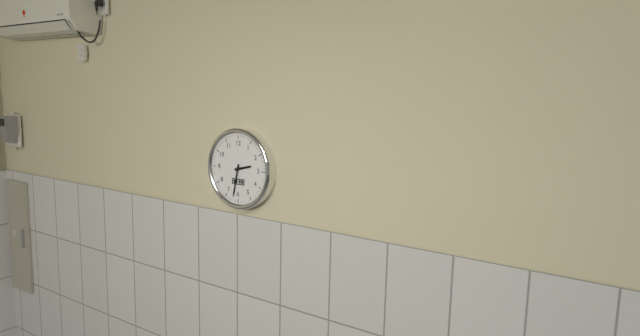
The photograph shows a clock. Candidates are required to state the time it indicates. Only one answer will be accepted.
2:32
